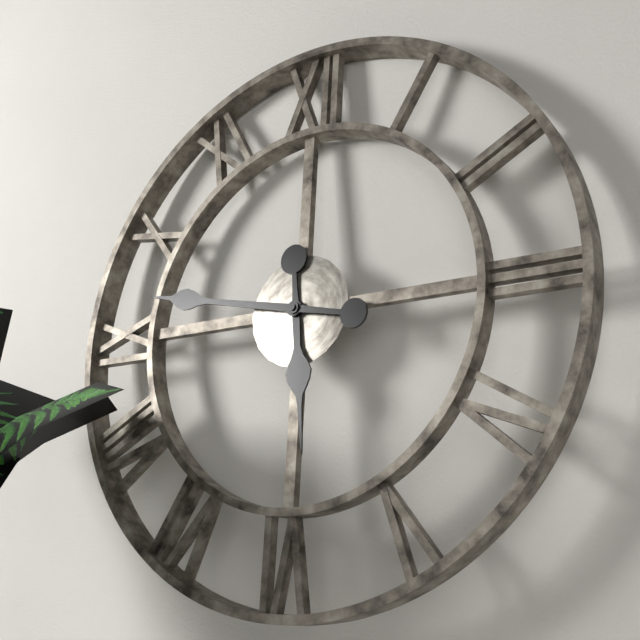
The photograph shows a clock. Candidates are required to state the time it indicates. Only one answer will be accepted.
5:47
